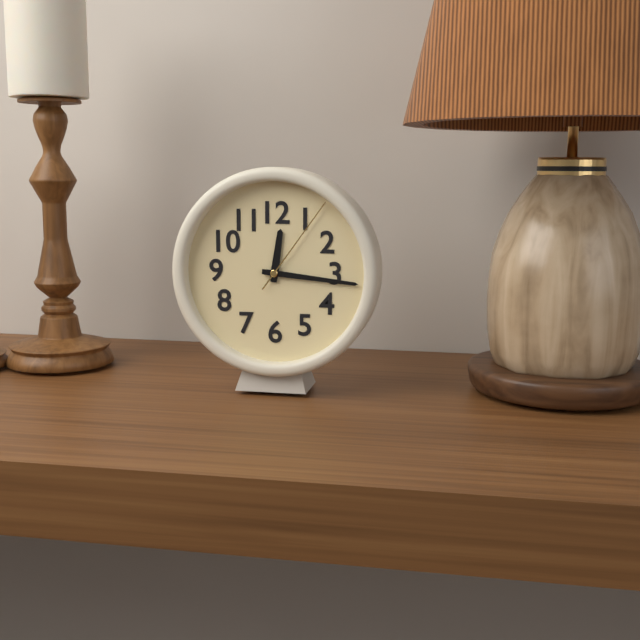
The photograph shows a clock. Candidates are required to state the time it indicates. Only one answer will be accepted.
12:16:06
